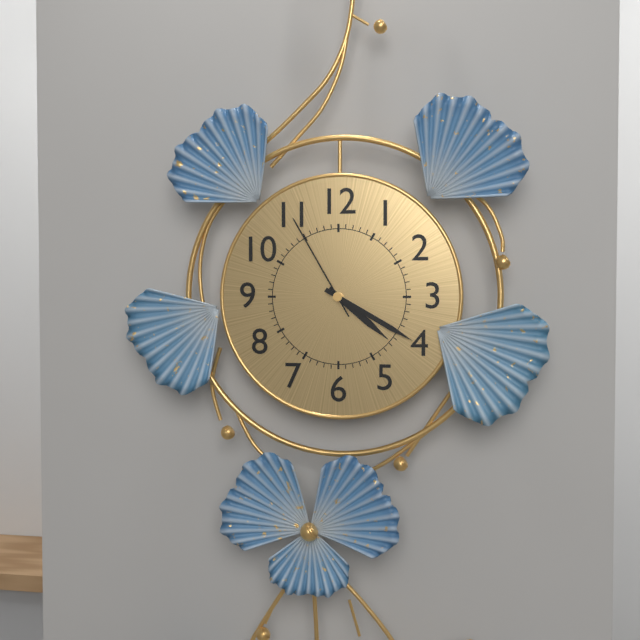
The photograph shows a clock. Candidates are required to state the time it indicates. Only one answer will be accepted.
4:20:55
